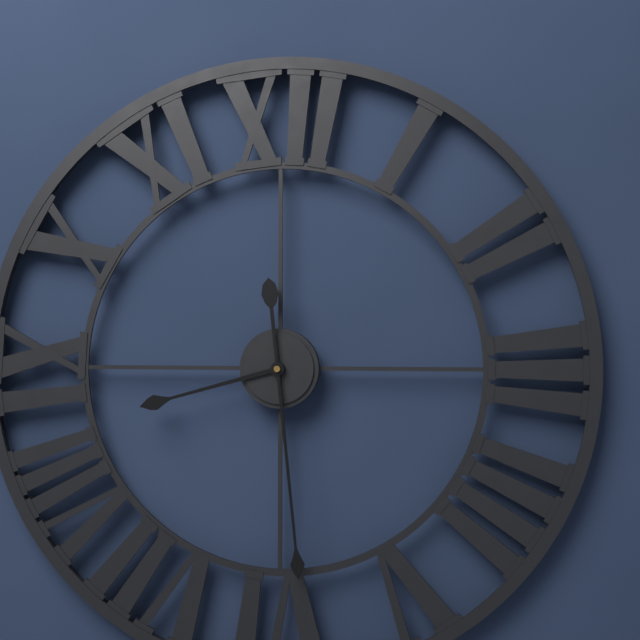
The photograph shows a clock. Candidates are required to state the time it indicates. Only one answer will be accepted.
8:29
